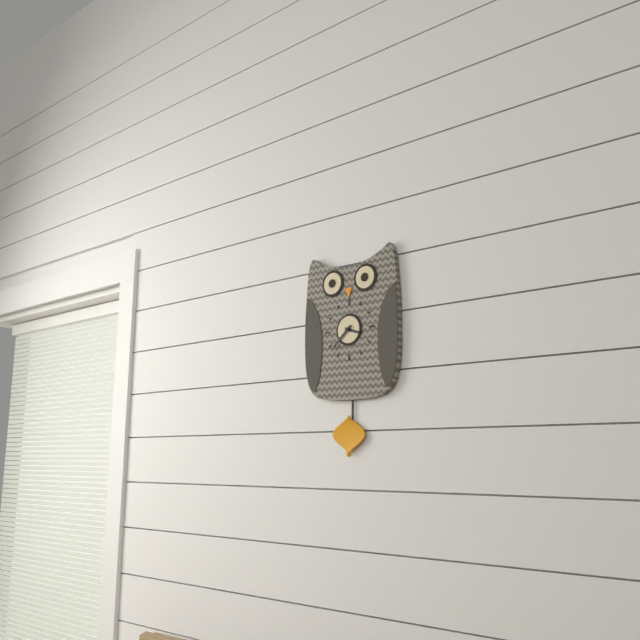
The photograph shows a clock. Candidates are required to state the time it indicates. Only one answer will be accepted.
3:38
